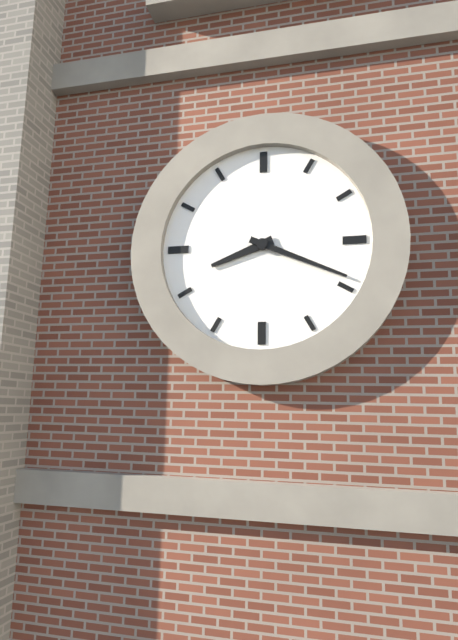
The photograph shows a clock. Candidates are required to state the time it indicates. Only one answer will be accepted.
8:19
